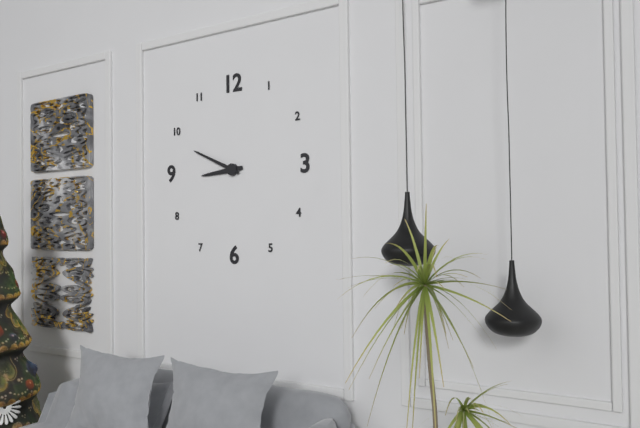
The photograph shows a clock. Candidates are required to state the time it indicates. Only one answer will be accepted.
8:49
